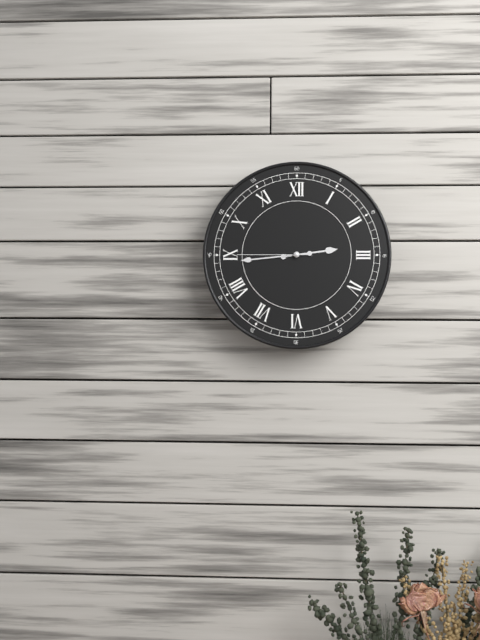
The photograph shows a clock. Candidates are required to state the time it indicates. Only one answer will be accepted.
2:44:45
